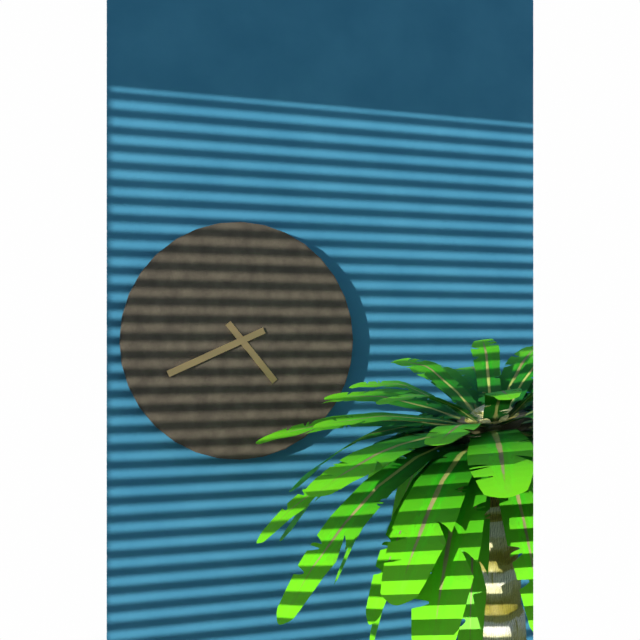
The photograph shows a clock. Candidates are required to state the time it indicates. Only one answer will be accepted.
4:41
